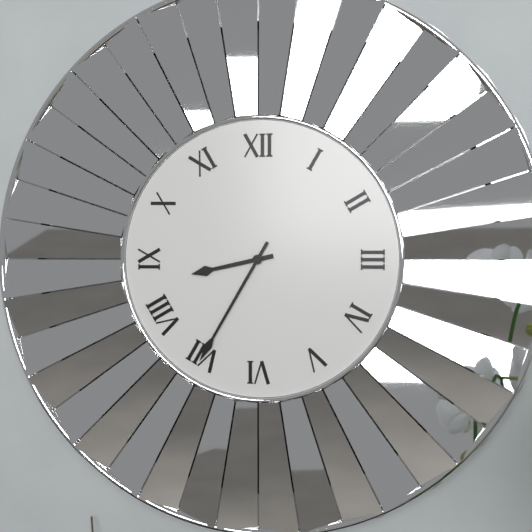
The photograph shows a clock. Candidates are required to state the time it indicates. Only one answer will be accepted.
8:35
